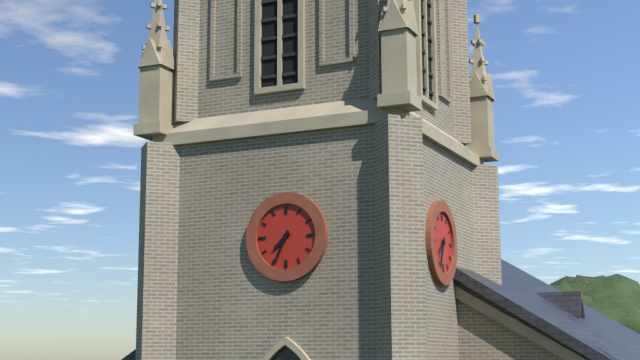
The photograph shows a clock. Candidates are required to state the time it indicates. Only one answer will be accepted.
7:34
